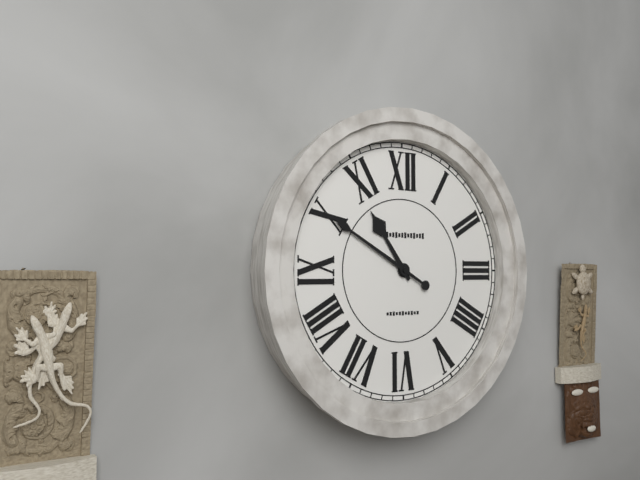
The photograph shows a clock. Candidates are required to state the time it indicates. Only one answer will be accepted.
10:50
